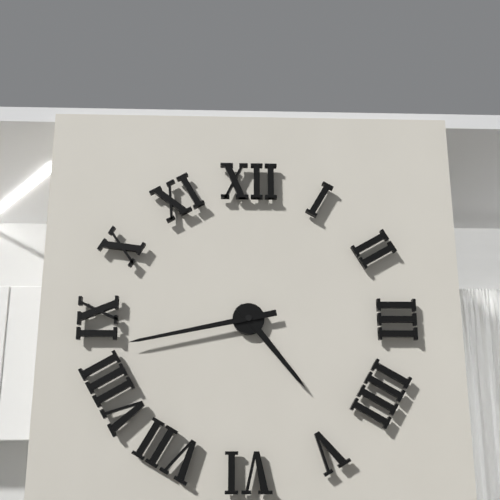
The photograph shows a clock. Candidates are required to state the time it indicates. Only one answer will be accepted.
4:43
